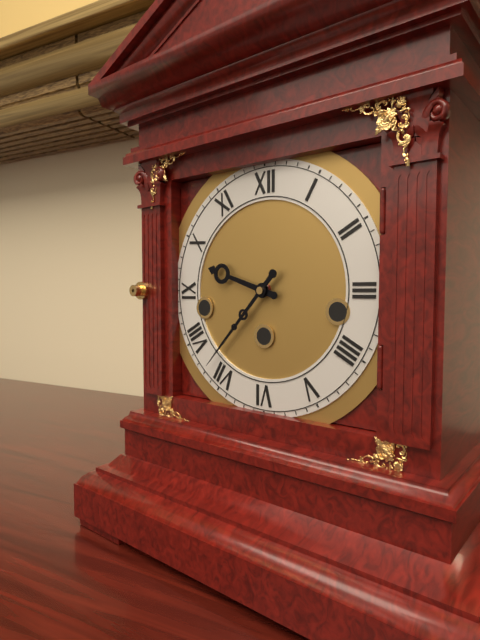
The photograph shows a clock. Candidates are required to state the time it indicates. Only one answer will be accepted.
9:37
